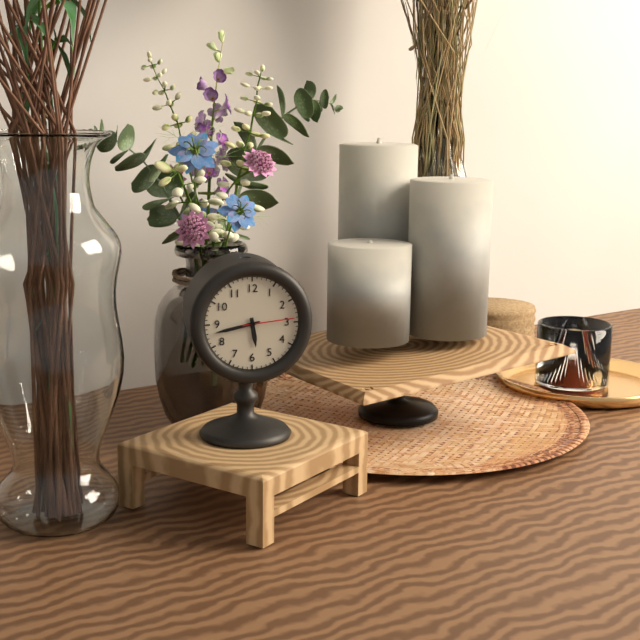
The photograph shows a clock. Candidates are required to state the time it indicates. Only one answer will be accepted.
5:43:14
